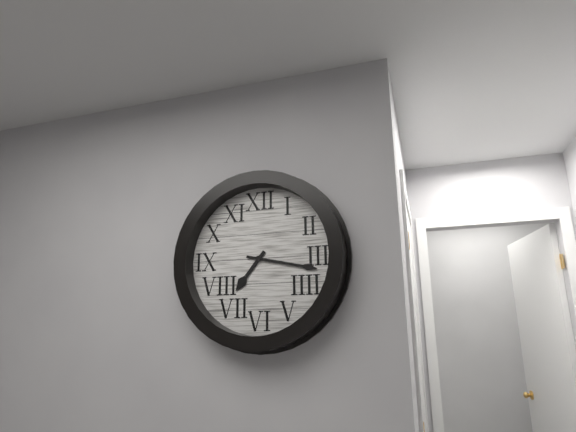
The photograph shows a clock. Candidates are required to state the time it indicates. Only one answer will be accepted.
7:17
